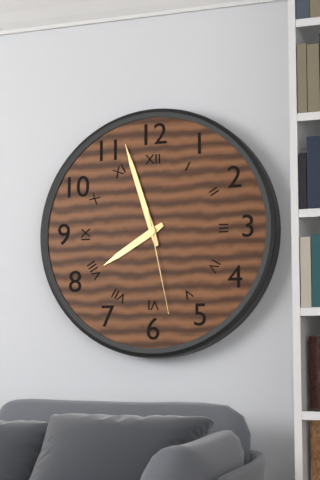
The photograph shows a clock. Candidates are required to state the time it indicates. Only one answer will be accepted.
7:57:28
